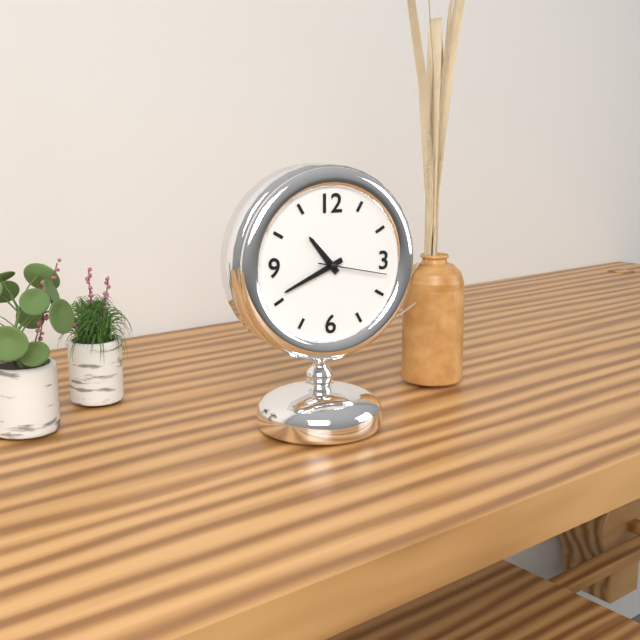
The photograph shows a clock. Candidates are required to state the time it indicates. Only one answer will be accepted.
10:41:17
